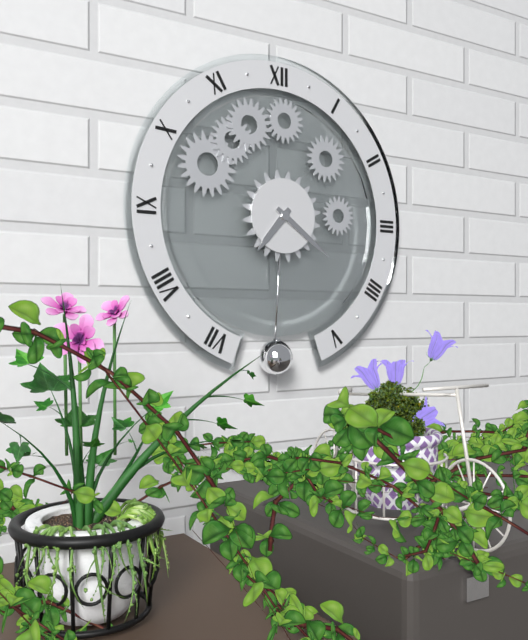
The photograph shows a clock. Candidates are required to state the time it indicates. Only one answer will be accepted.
7:21
